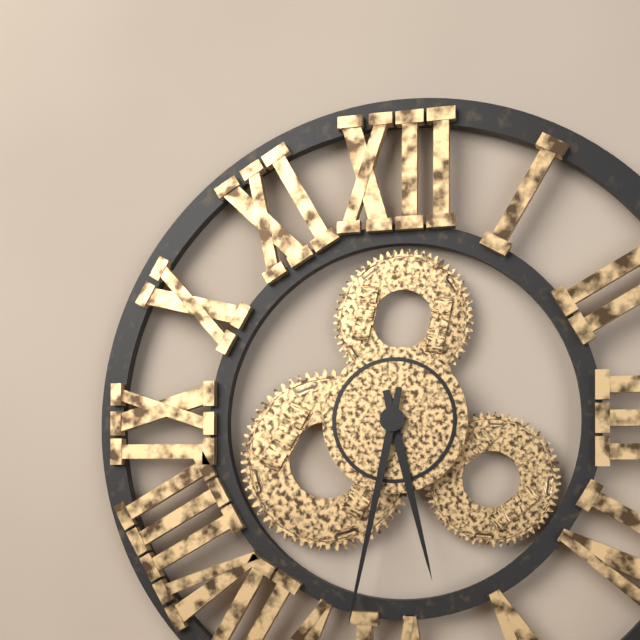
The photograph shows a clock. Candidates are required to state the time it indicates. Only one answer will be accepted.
5:32
